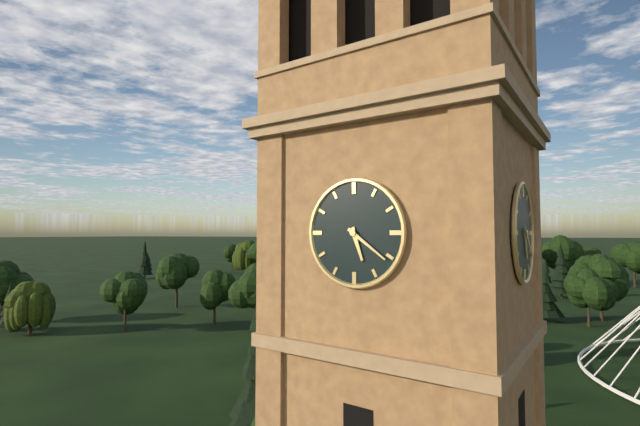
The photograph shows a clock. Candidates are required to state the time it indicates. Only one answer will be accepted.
5:21
